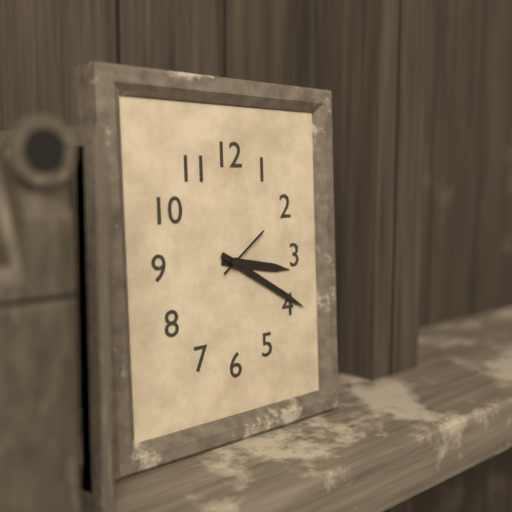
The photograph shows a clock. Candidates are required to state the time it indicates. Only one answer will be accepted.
3:20:09
